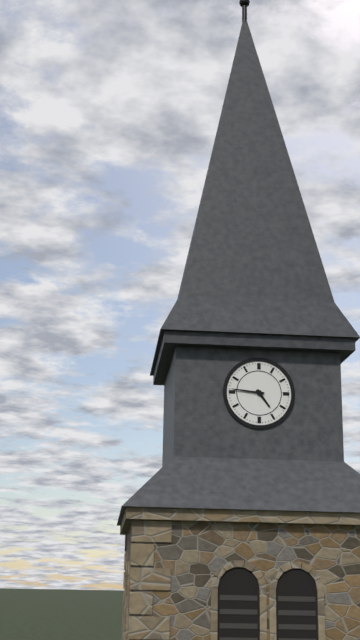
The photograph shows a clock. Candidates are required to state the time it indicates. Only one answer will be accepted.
4:46
